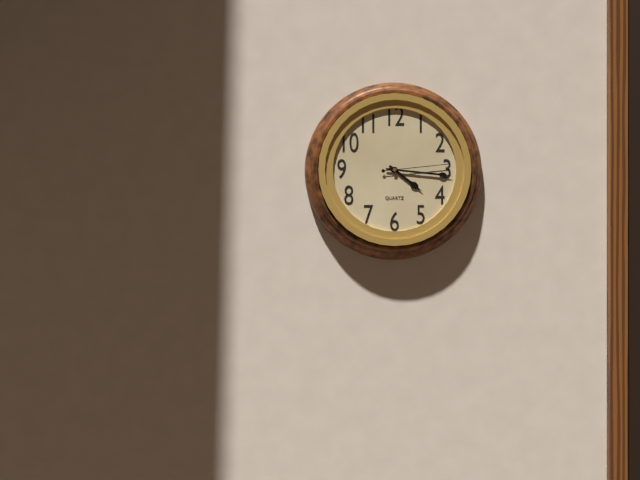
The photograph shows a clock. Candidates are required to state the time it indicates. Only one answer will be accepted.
4:16:14
